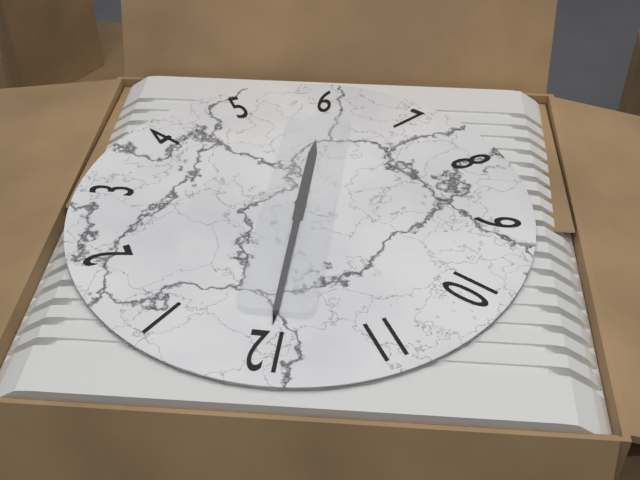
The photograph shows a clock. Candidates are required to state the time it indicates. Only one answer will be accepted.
6:00
